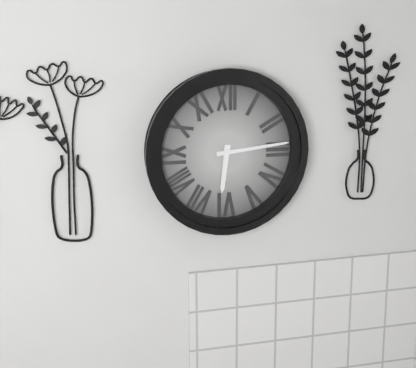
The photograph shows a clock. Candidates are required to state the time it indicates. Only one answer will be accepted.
6:14
